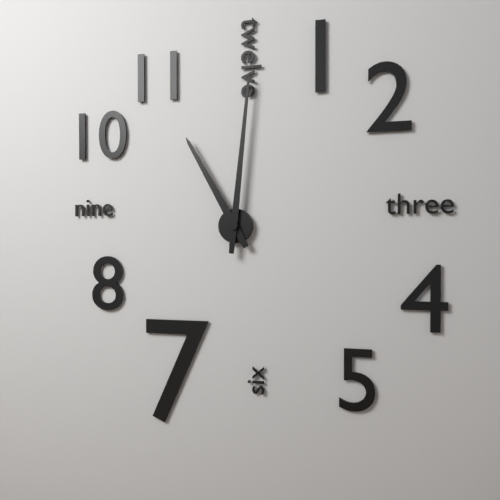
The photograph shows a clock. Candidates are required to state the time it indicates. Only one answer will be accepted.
11:01
